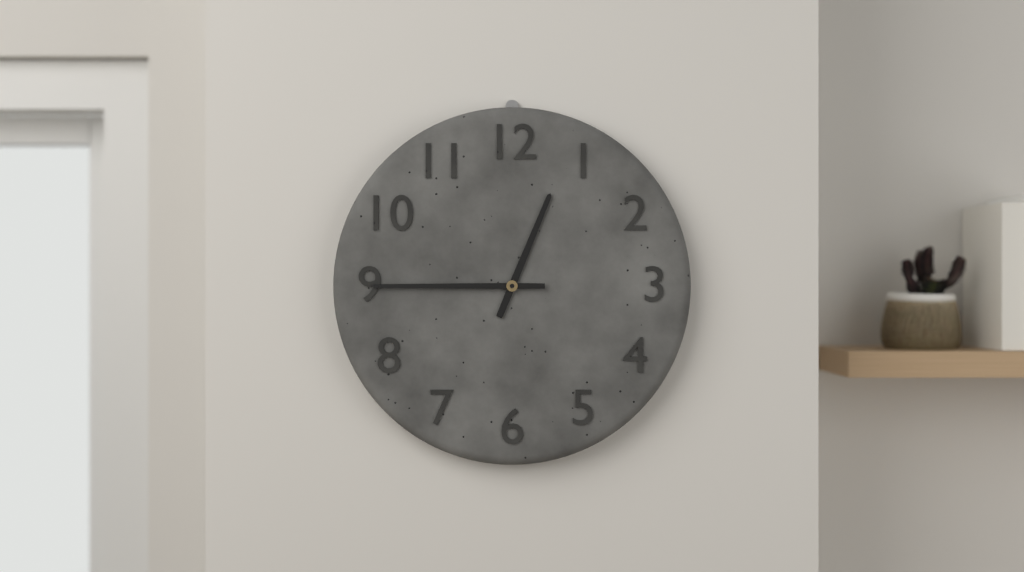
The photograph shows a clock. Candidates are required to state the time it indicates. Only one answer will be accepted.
12:45
